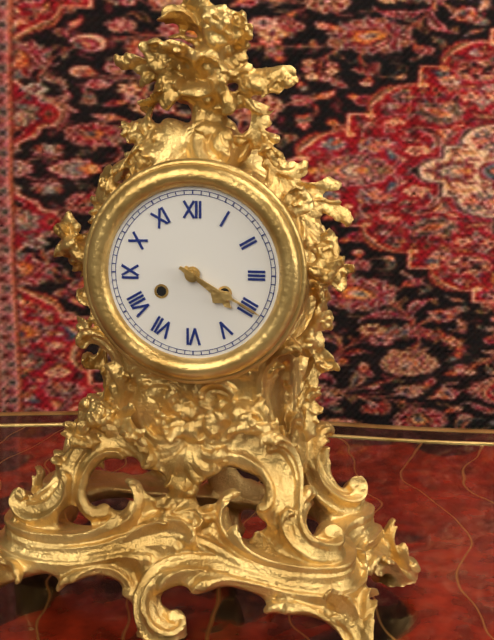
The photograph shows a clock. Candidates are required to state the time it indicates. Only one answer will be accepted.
4:20
